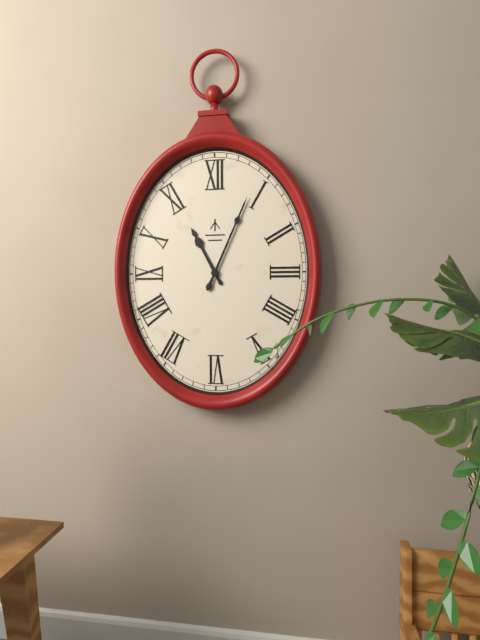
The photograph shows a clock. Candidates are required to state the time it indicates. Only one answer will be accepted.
11:04
